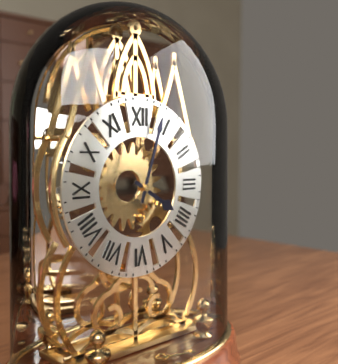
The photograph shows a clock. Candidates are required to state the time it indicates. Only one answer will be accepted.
4:03
